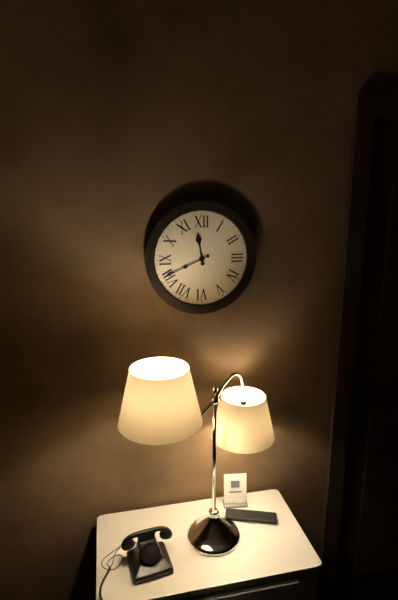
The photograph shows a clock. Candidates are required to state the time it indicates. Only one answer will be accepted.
11:41
